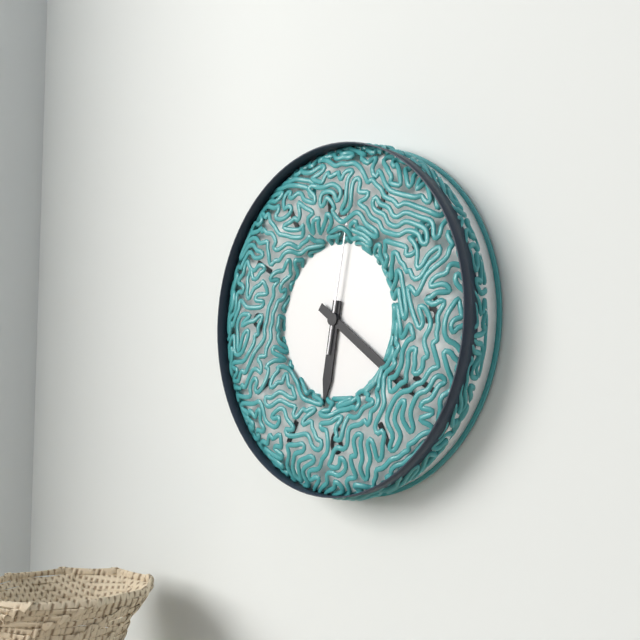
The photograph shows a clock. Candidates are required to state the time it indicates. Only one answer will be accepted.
6:21:02
